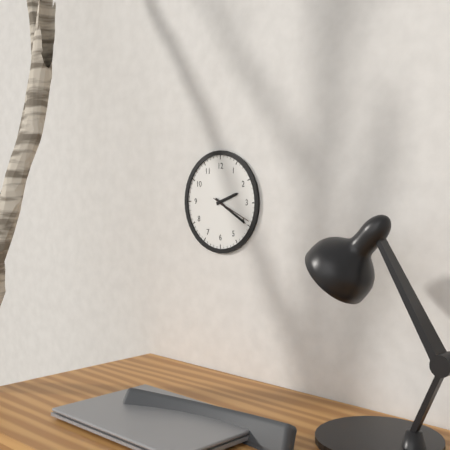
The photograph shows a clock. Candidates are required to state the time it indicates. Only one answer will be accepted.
2:20
